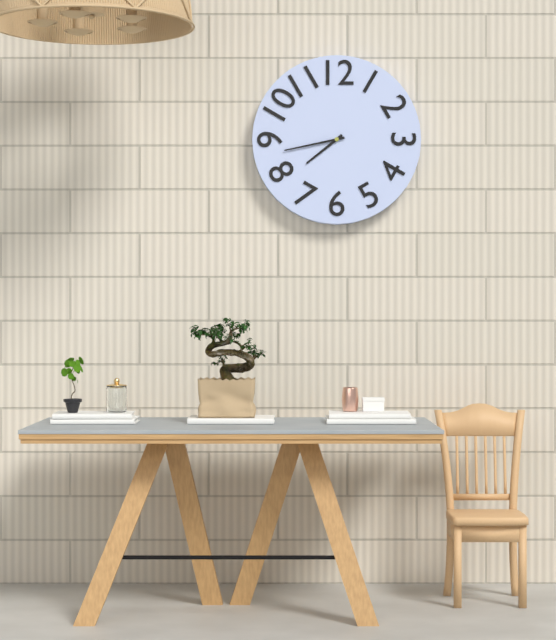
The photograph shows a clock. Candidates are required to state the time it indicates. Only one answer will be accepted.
7:43
